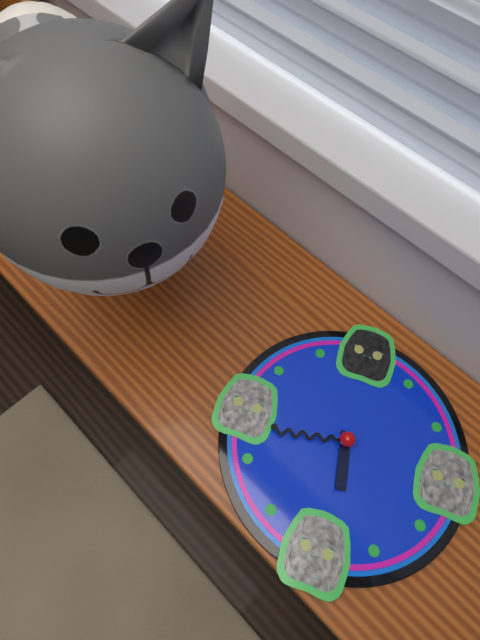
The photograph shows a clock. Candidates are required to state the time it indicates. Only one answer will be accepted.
5:43
